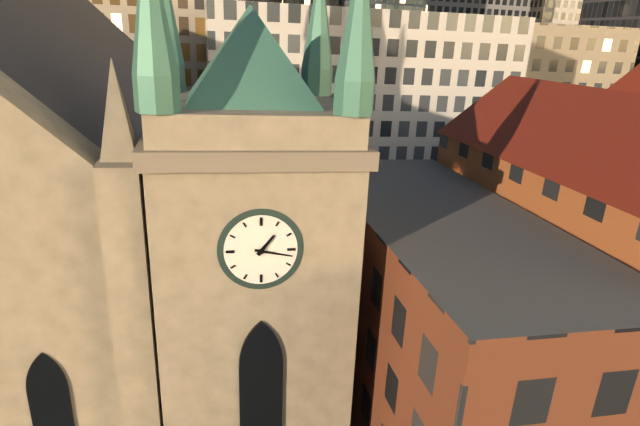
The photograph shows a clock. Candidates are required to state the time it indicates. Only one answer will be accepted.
1:17
